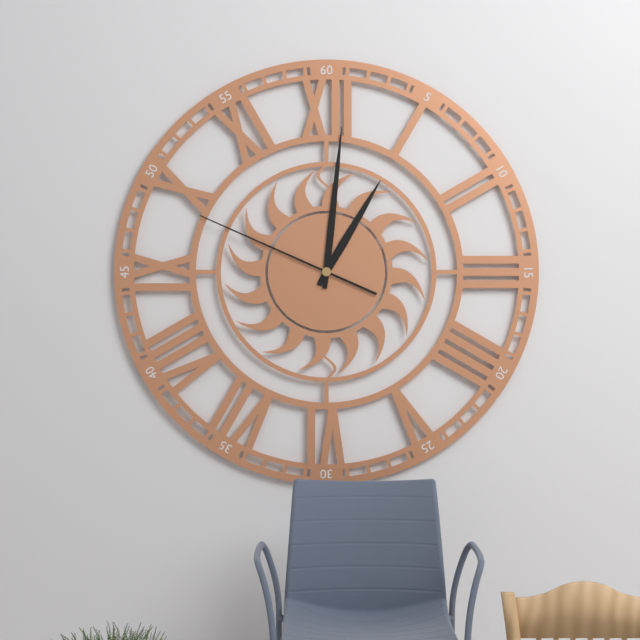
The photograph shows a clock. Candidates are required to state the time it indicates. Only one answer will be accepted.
1:01:49
